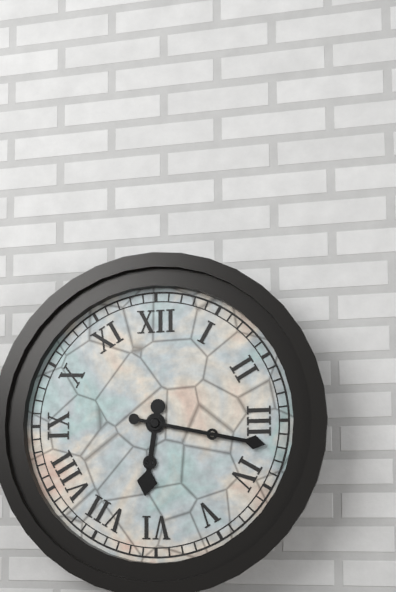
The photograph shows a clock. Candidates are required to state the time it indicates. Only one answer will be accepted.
6:17
